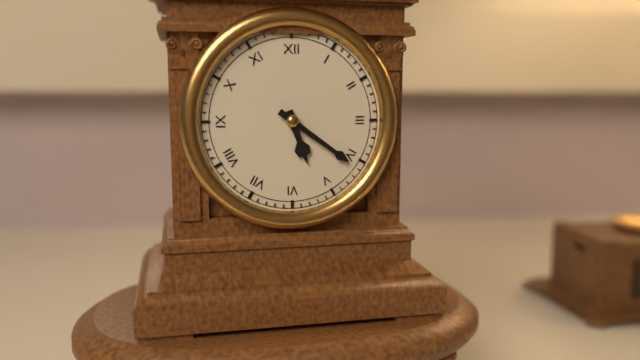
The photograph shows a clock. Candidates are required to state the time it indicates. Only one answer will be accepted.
5:21
